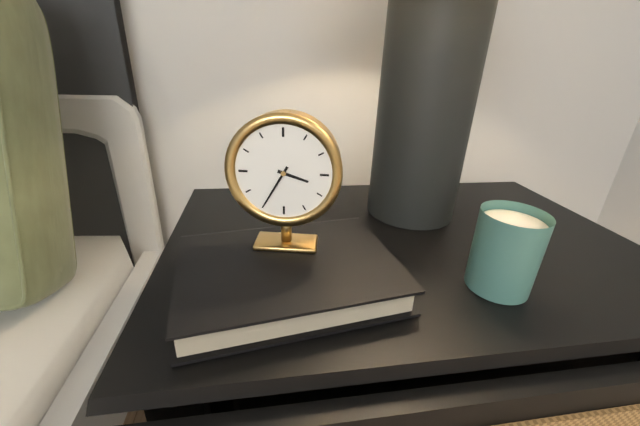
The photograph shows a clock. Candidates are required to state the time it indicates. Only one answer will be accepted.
3:35
